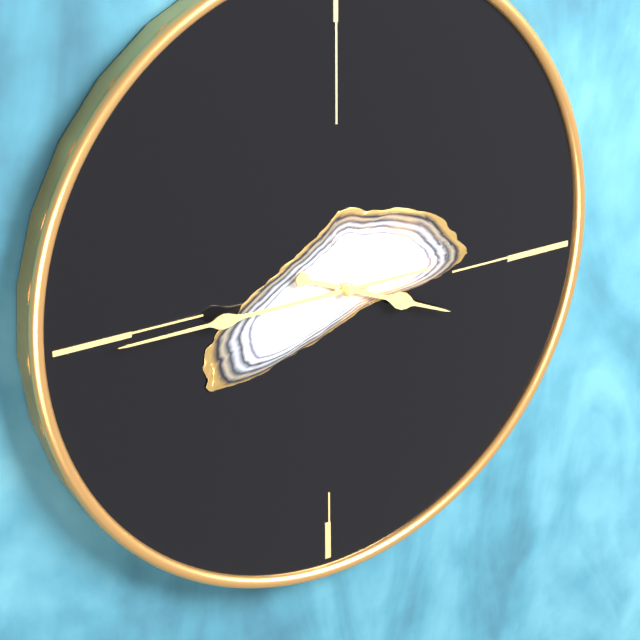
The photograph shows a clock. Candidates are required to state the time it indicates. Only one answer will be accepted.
3:45
